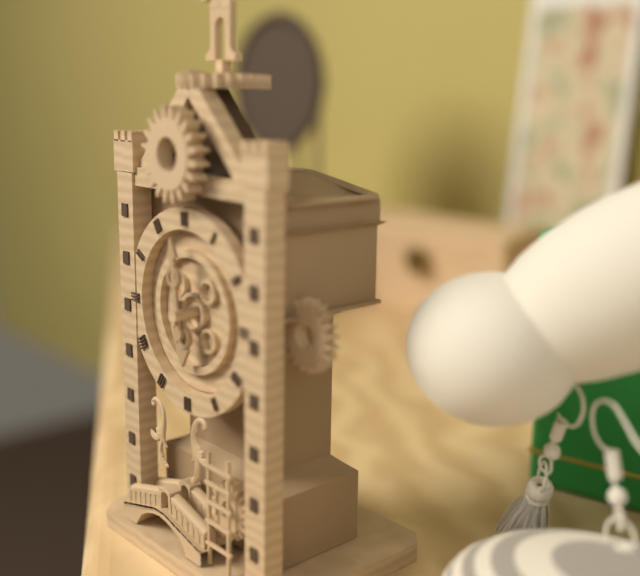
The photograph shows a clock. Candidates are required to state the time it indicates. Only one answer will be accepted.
5:59
